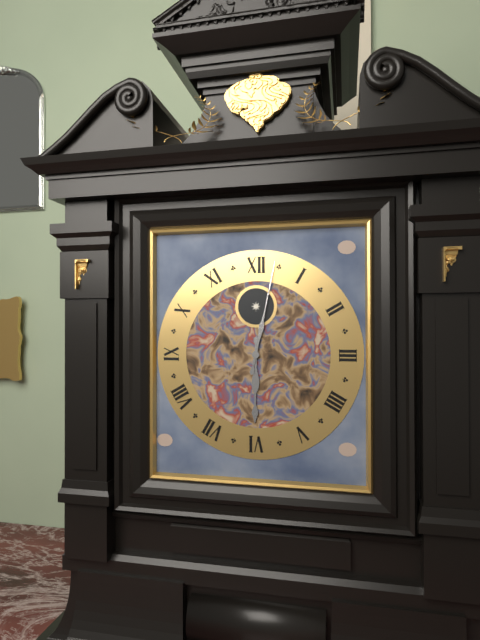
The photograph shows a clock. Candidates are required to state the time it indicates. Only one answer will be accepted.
6:02
